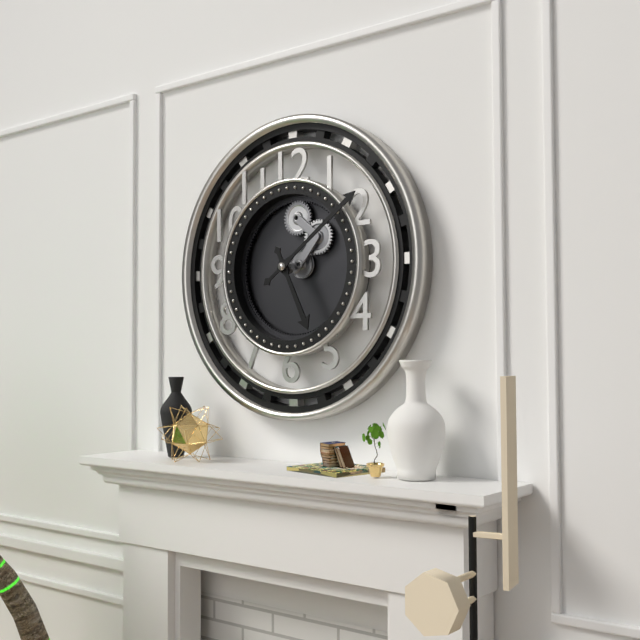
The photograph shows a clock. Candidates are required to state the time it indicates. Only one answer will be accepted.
5:09
